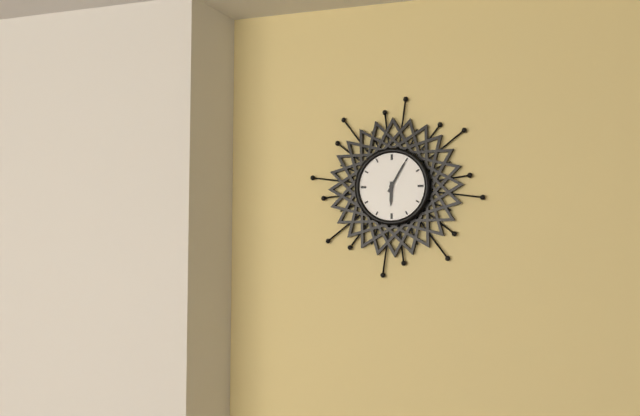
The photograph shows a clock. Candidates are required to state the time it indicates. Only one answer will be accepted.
6:05
